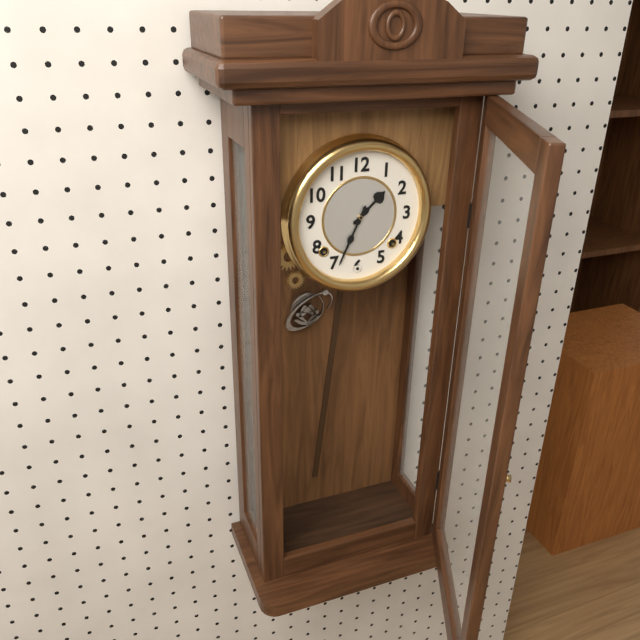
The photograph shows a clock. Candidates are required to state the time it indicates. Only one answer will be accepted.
1:34
